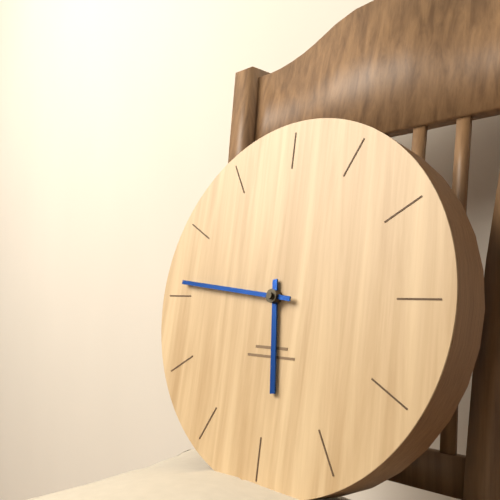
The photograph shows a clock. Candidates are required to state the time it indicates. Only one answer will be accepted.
5:46
